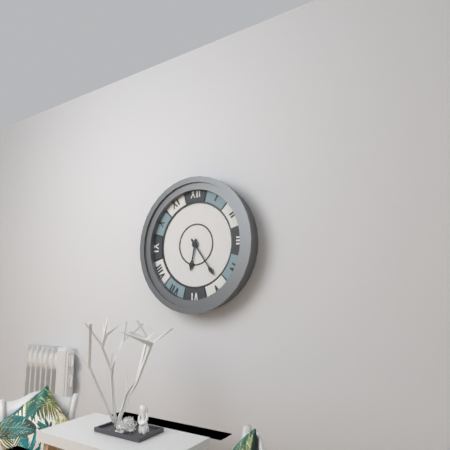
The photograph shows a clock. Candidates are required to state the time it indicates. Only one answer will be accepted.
6:24
